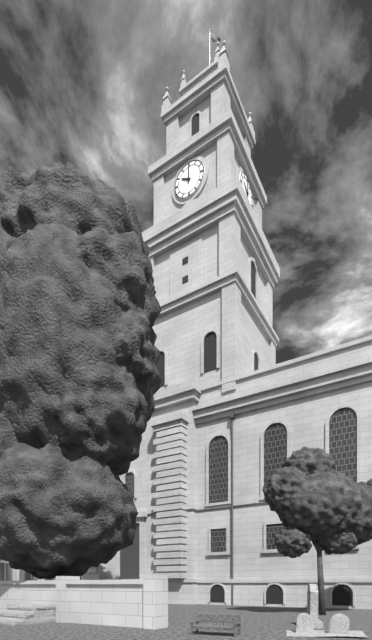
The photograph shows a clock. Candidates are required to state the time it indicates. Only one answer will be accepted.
10:00
